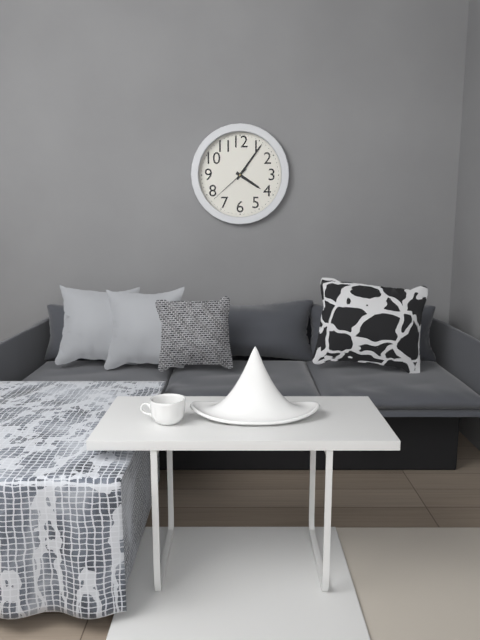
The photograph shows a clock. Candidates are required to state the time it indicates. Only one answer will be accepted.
4:06
